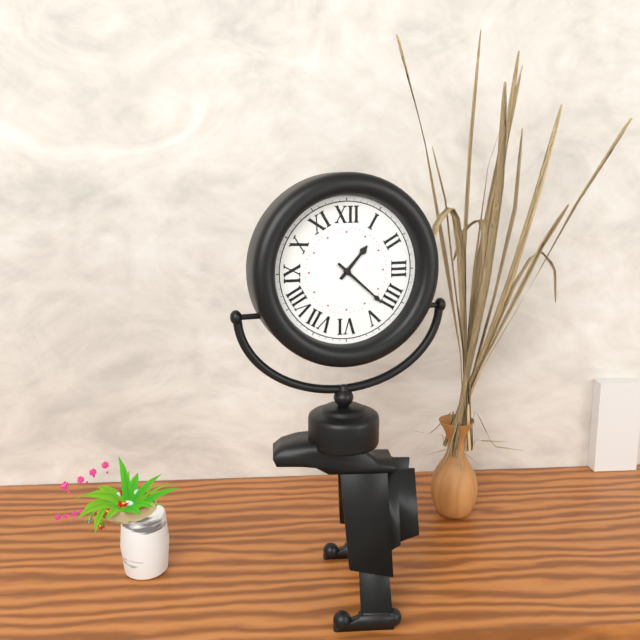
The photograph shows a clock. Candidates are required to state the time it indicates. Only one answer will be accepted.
1:22
